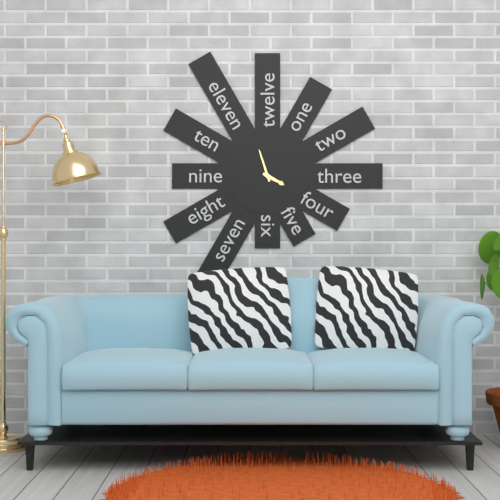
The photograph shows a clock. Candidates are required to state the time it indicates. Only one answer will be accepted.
3:57
